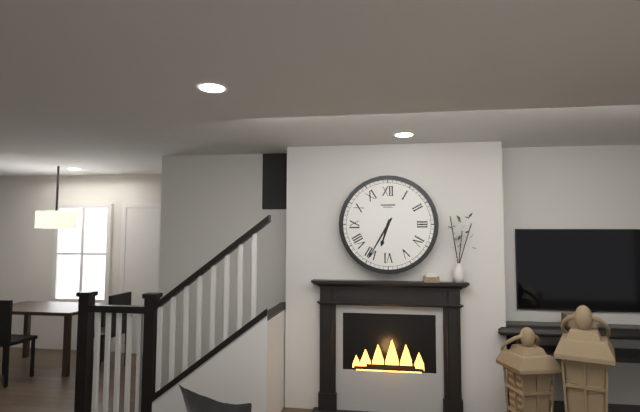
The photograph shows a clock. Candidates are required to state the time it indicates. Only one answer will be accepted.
6:35
